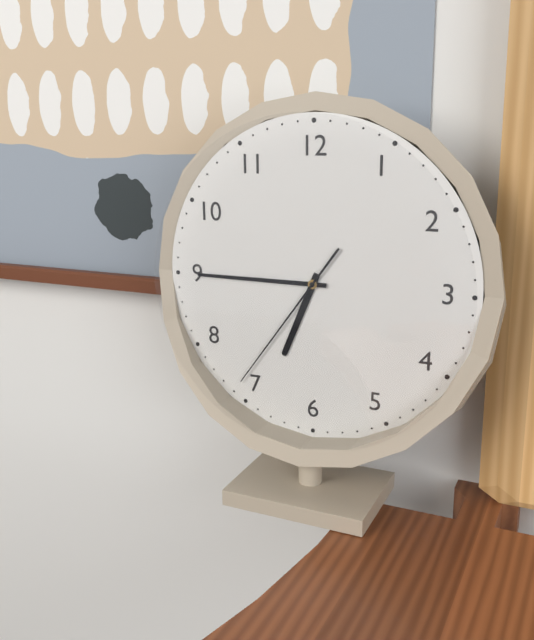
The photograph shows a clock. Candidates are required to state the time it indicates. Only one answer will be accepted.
6:45:36
